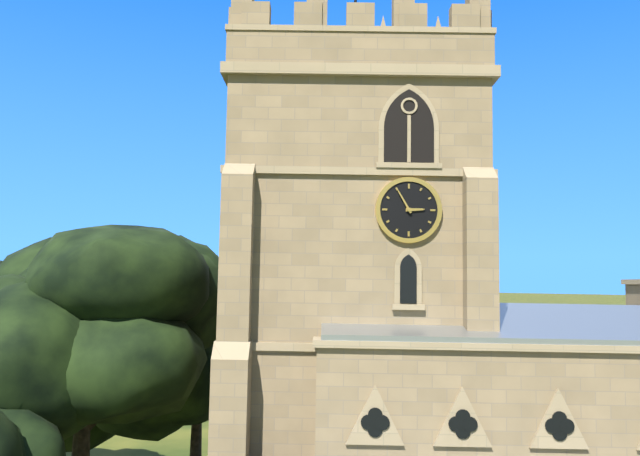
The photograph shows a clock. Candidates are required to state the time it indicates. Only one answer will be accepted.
2:55
